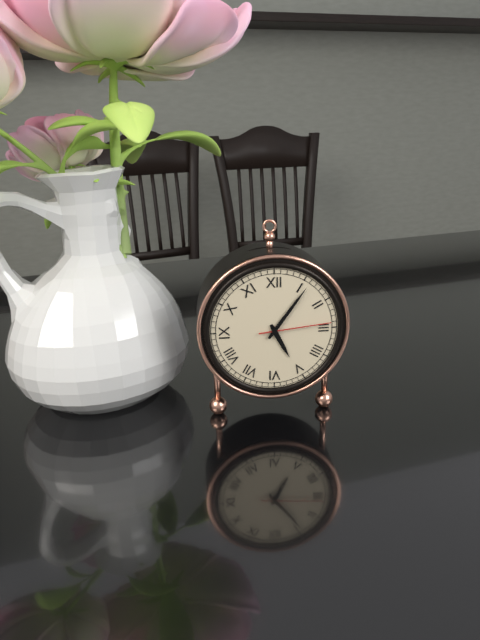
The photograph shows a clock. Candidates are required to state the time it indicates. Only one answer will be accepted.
5:06:14
